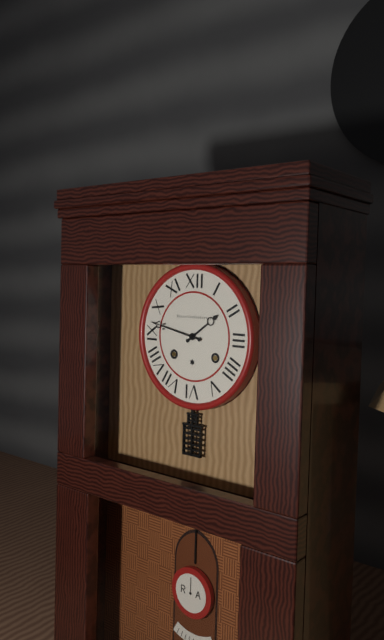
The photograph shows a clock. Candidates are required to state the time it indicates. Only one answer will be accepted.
1:47
